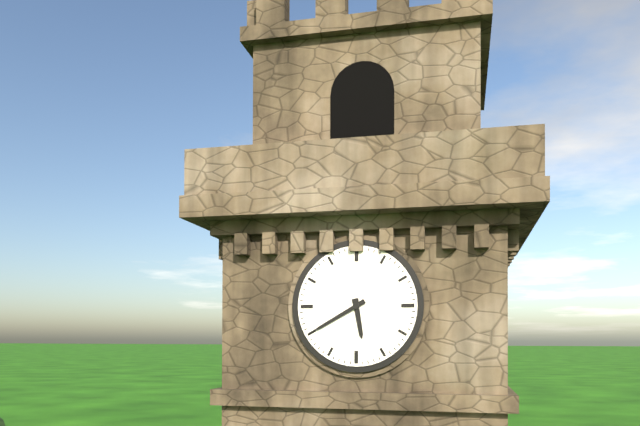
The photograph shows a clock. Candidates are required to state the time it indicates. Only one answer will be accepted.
5:40
